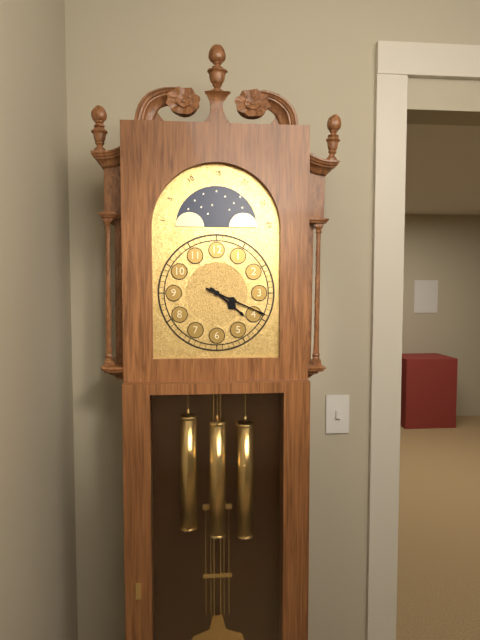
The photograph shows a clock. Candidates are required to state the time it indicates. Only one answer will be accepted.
4:19
